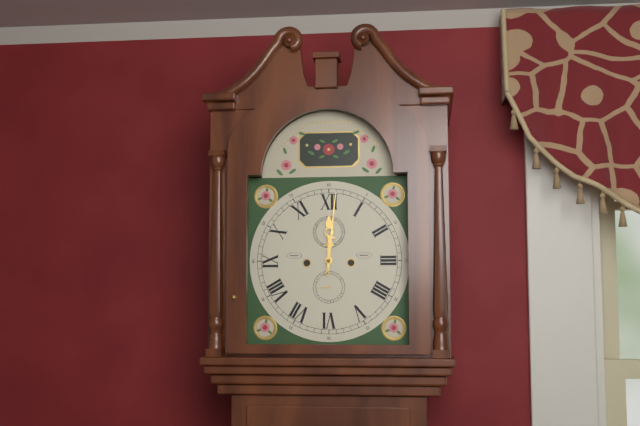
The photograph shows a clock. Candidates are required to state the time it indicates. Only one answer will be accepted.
12:01
